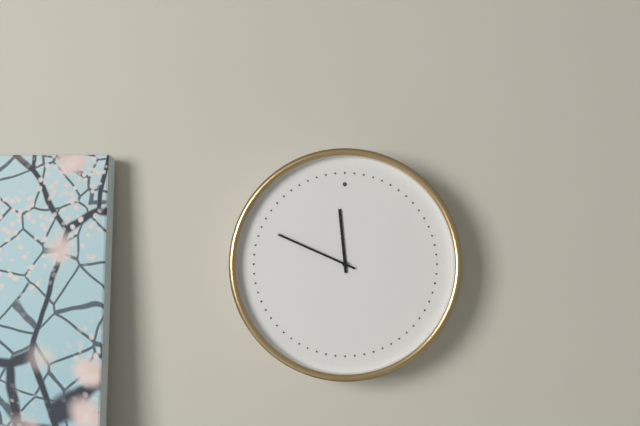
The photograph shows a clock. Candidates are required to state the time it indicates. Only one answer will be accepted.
11:49
